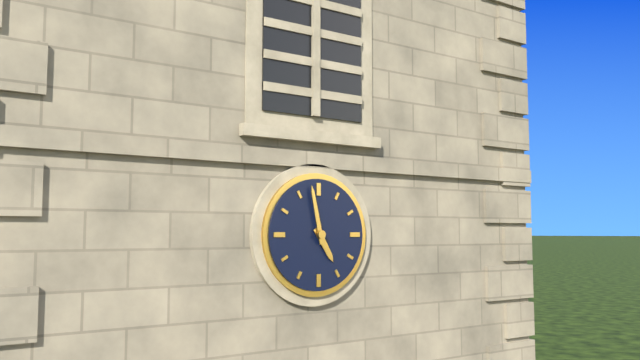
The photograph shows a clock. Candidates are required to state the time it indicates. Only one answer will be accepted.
4:58
